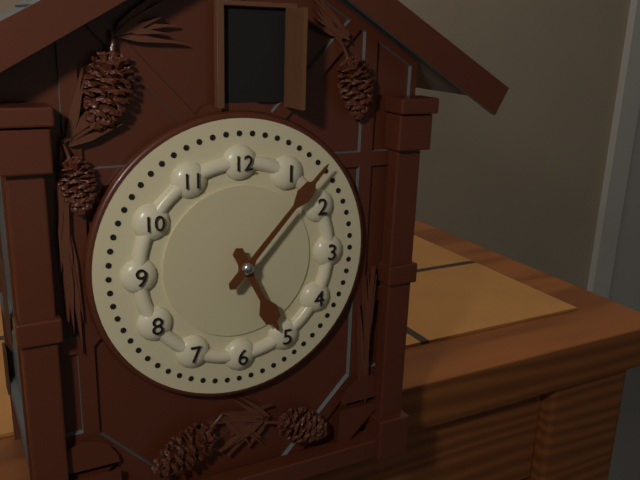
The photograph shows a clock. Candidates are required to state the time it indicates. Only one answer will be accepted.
5:07
